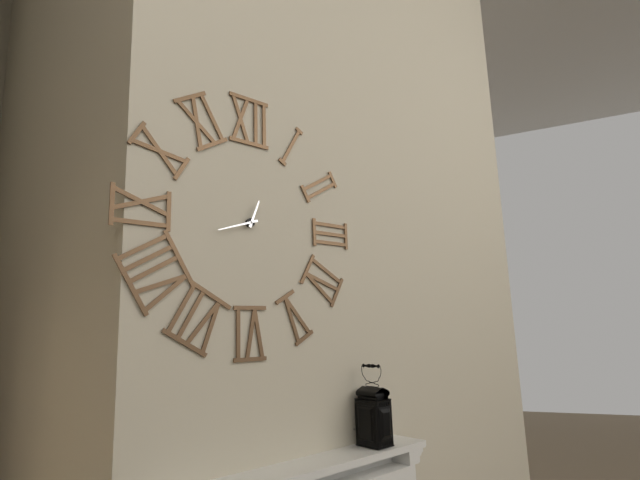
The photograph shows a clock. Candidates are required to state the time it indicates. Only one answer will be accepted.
12:42
